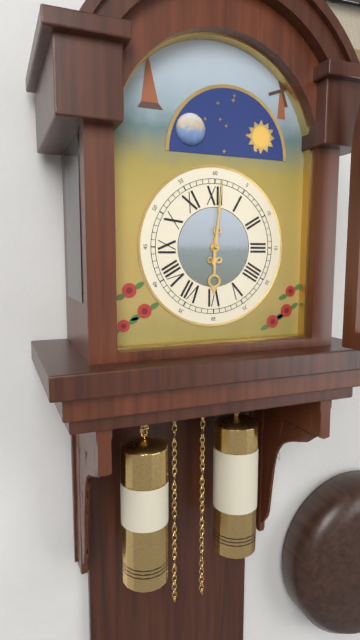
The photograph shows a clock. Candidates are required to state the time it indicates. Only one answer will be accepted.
6:01
